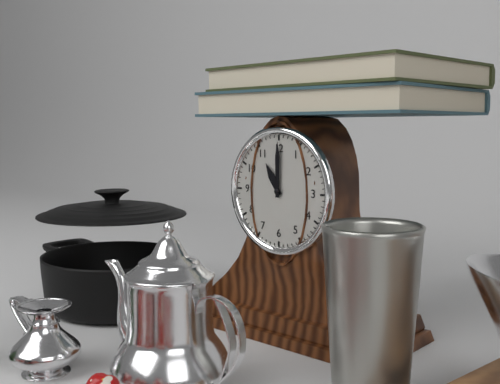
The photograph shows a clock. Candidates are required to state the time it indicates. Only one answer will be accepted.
11:00
